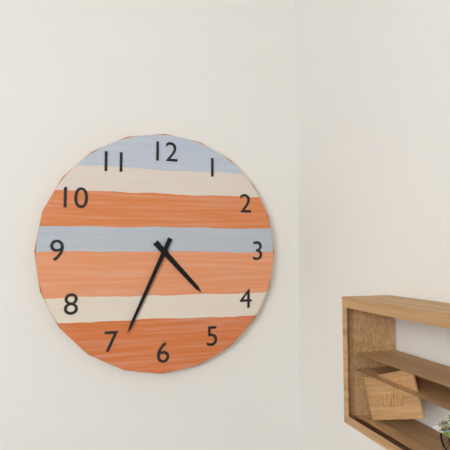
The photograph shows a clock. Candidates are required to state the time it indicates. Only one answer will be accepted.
4:34
